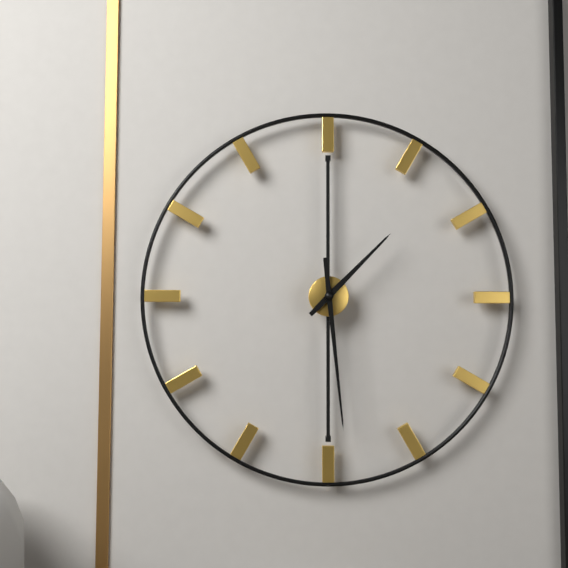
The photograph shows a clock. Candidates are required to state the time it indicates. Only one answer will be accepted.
1:29
